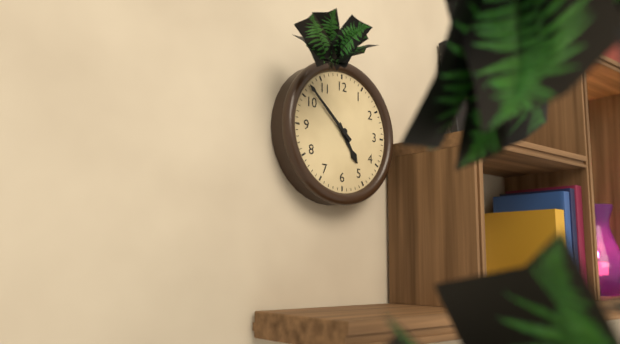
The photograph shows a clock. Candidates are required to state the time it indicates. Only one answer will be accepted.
4:52
